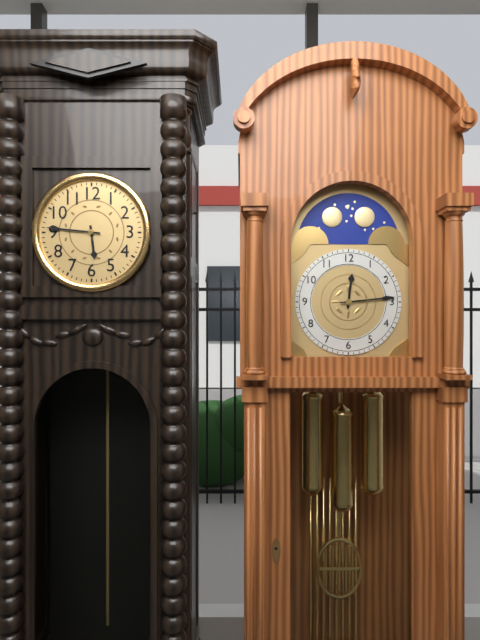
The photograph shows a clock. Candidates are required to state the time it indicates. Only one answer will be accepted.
5:46
